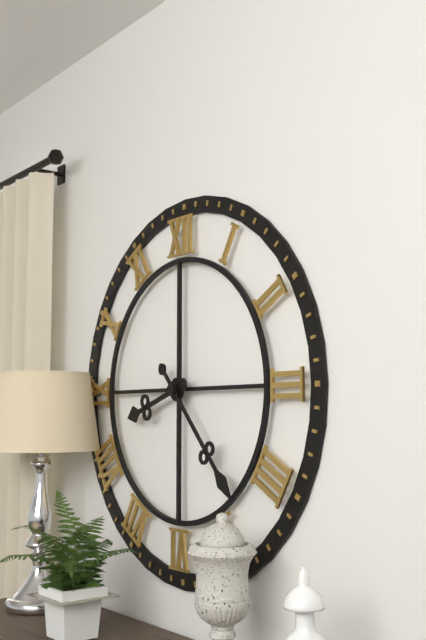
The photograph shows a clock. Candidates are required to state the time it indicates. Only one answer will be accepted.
8:23
